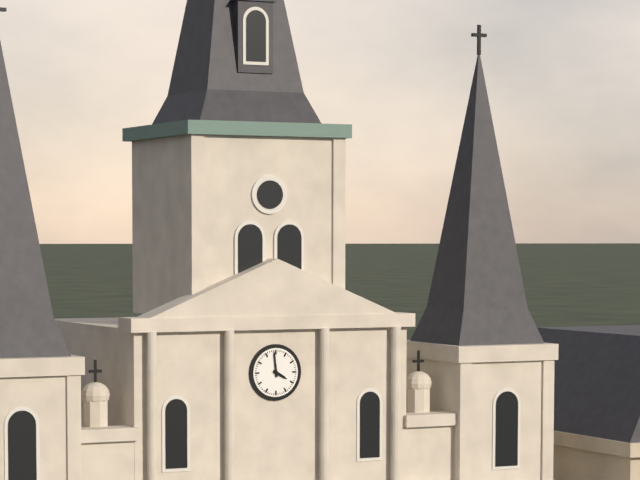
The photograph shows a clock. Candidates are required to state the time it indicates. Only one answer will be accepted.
3:59
